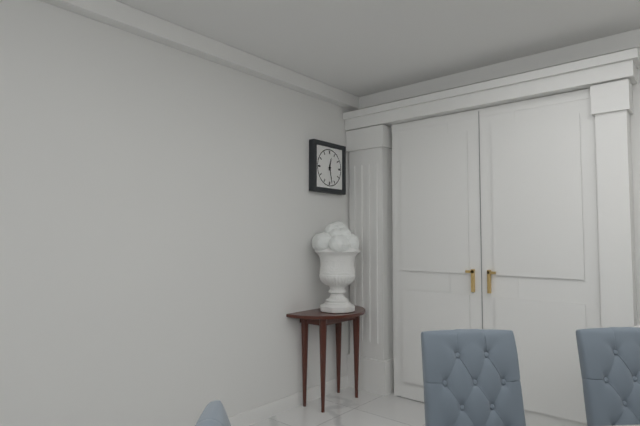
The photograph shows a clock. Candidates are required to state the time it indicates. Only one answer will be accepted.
12:28
